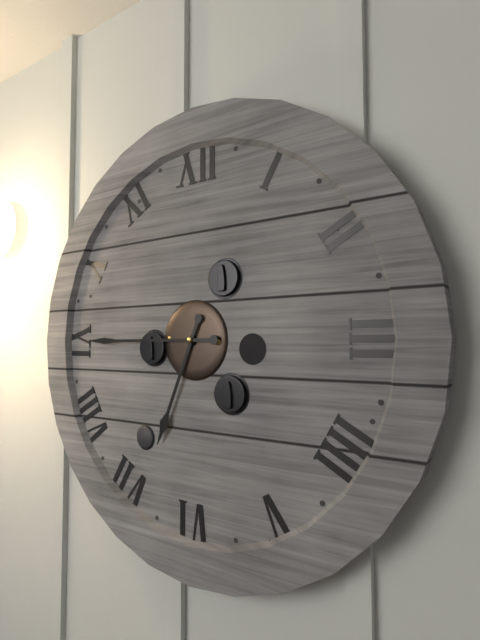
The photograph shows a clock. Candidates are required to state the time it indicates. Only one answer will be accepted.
6:45
